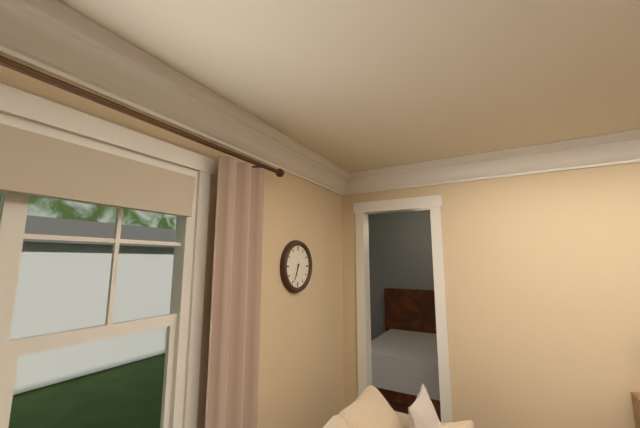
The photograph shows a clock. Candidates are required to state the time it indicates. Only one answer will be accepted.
6:34
